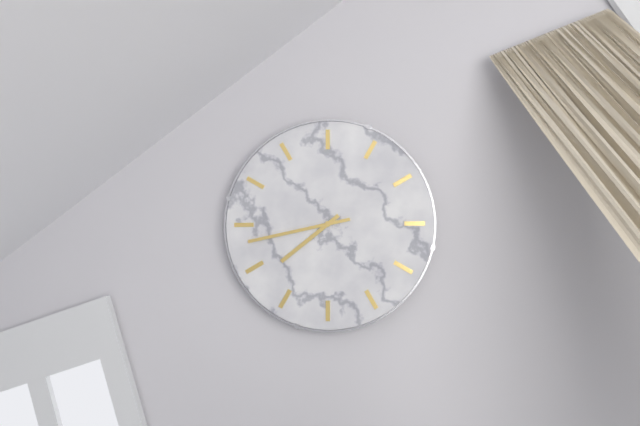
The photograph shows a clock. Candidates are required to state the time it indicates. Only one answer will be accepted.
7:43
